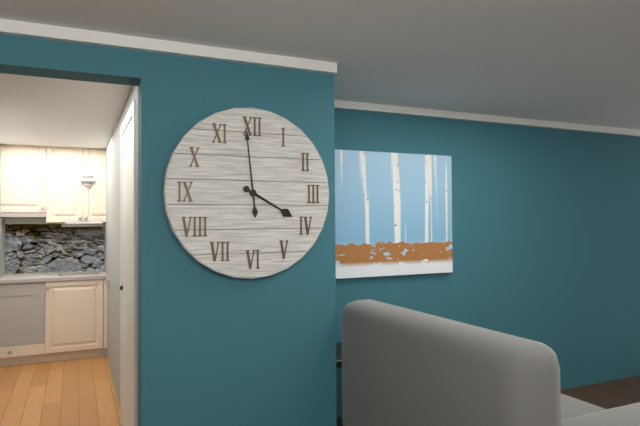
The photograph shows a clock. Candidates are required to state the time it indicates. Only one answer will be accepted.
3:59
